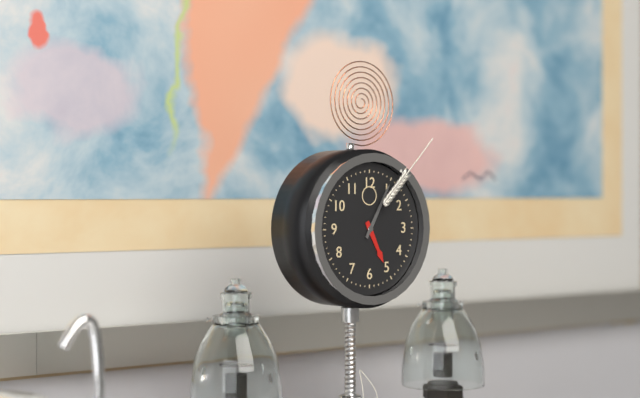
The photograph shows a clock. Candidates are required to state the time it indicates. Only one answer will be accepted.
5:05
